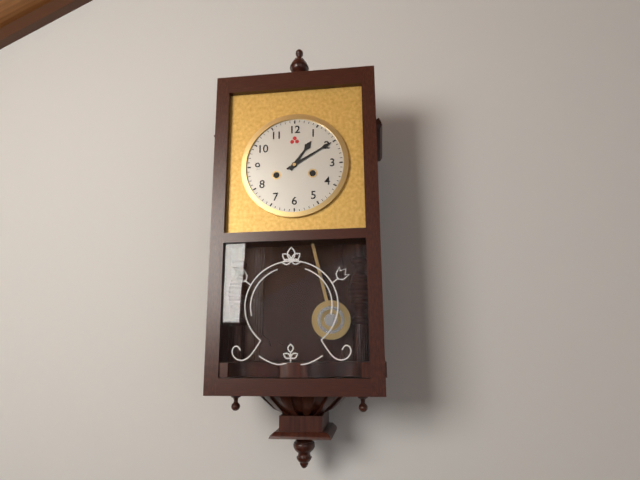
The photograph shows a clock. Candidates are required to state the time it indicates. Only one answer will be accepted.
1:10
